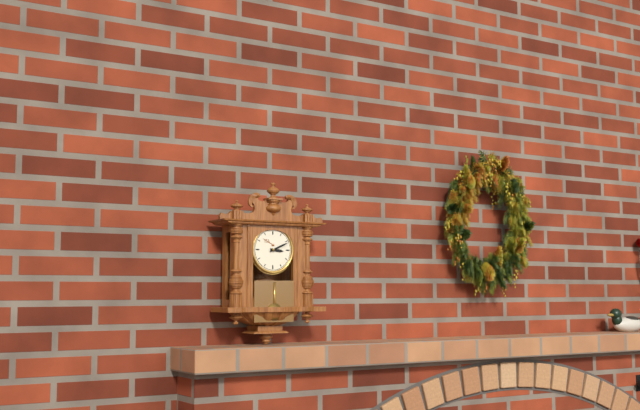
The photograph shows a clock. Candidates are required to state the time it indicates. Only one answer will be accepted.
3:11
